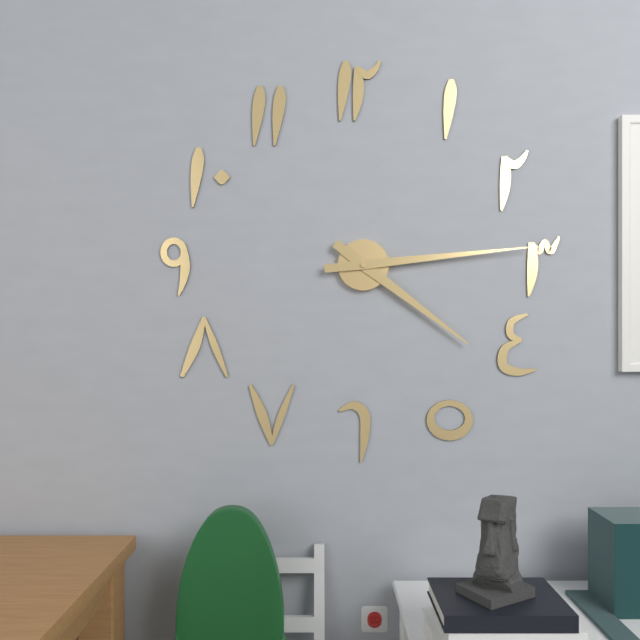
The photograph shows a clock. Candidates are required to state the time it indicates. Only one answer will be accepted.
4:14
